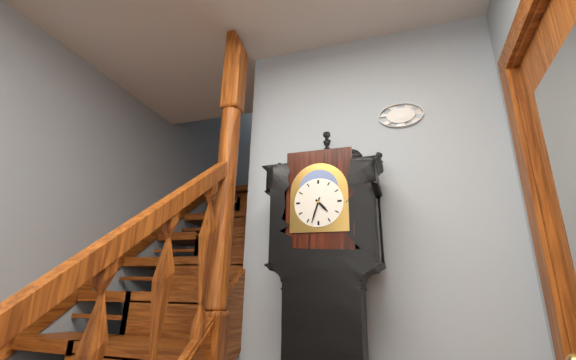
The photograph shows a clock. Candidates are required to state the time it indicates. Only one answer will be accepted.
4:33
